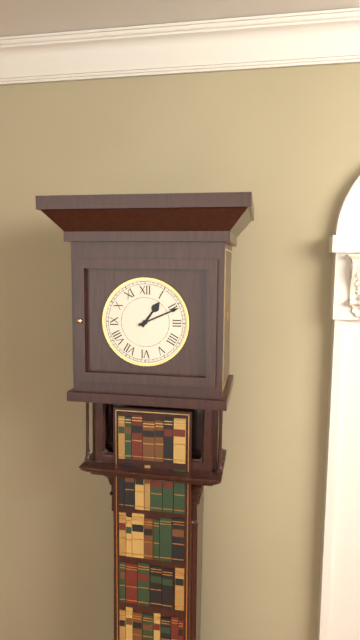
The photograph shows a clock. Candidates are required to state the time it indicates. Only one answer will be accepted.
1:11
